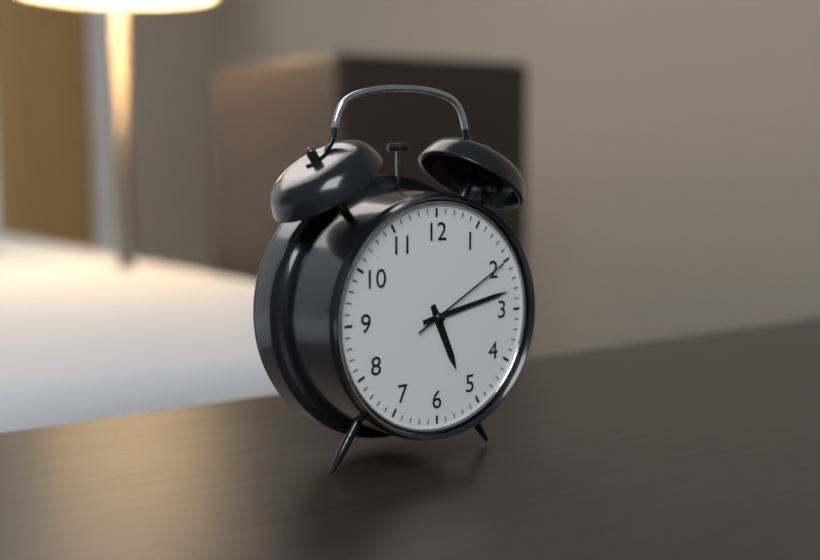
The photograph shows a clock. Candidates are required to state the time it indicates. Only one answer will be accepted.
5:13:10
